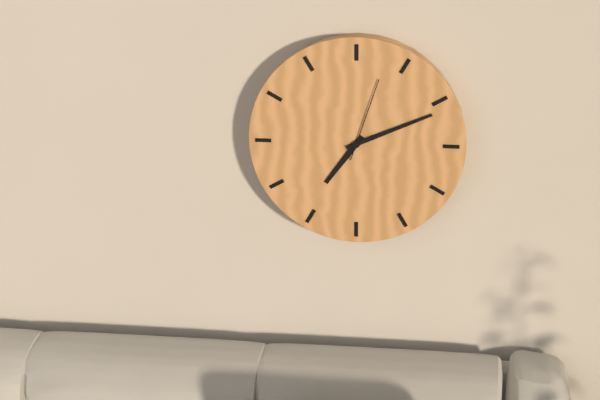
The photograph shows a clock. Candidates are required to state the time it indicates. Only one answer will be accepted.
7:11:03
